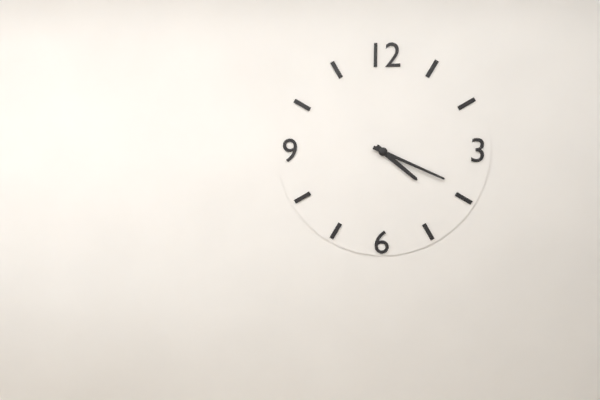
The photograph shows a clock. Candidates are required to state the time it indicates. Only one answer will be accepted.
4:19
